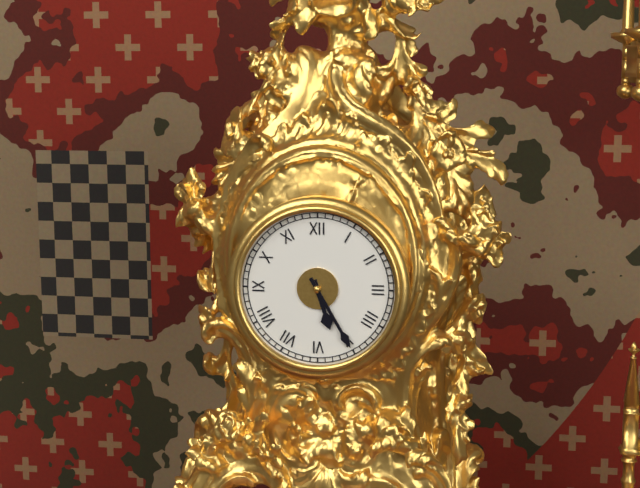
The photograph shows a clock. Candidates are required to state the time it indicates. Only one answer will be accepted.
5:25
